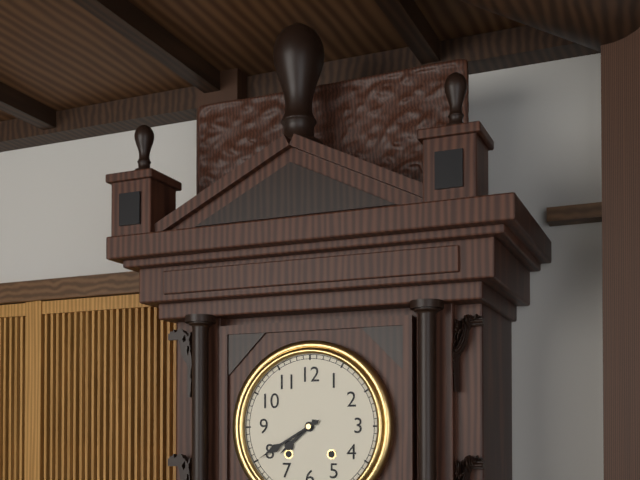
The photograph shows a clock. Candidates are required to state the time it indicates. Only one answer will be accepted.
7:40
